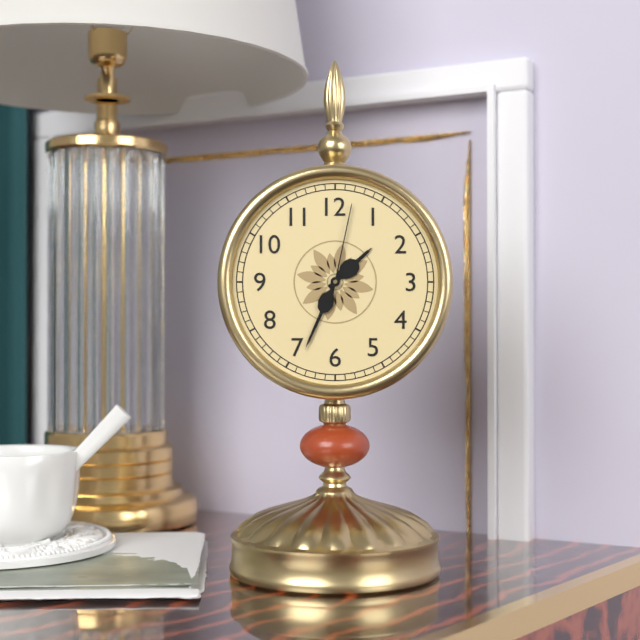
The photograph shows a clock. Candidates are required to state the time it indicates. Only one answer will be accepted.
1:34:02
